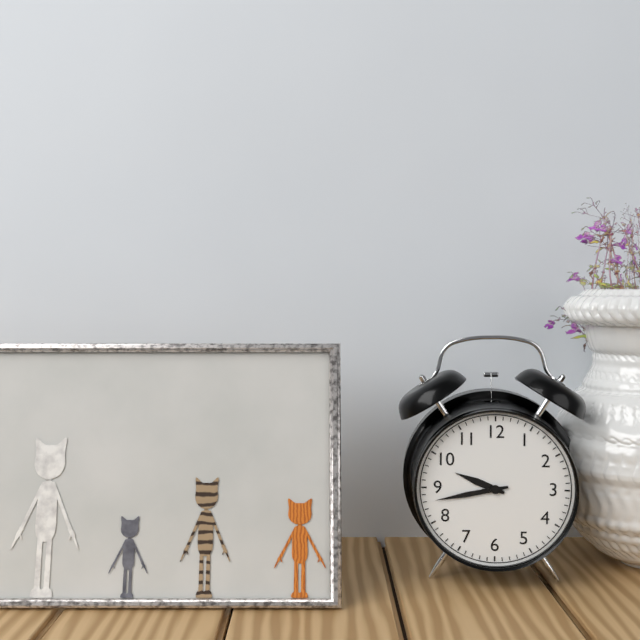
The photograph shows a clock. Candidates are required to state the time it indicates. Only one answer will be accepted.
9:43
